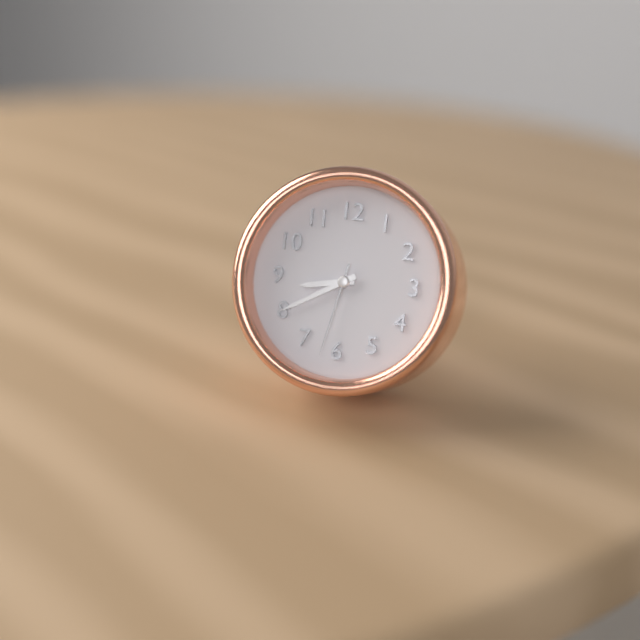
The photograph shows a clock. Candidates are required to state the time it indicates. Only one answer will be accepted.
8:40:32
